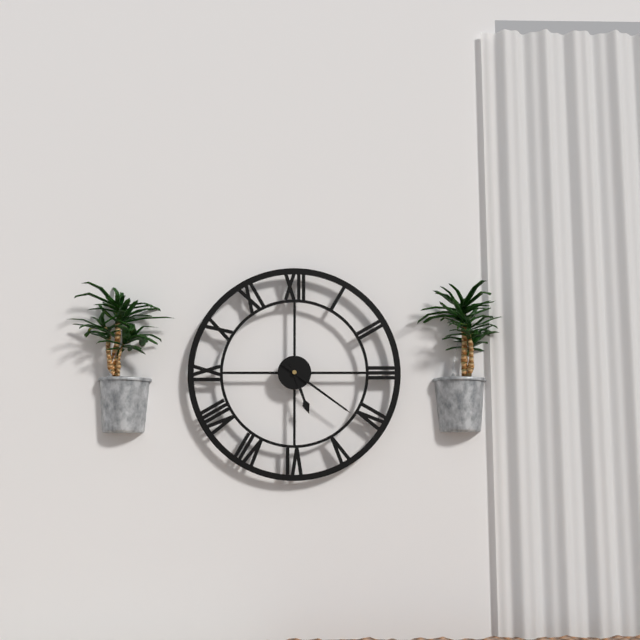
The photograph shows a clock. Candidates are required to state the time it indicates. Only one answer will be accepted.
5:21
